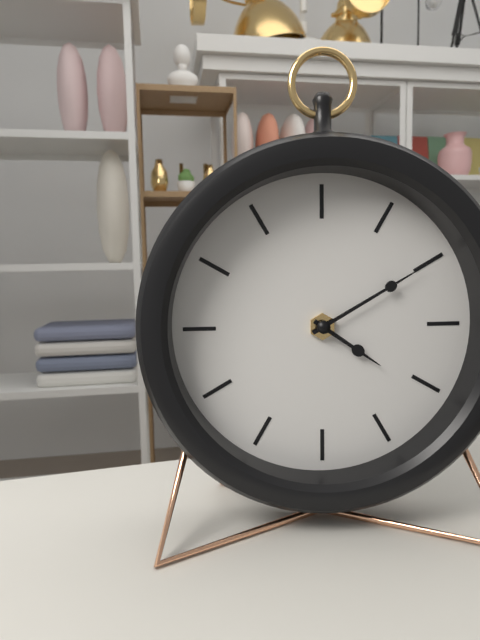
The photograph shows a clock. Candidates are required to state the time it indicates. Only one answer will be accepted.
4:10
